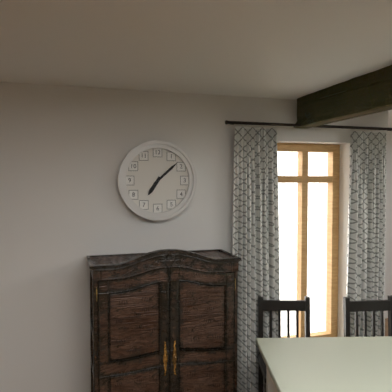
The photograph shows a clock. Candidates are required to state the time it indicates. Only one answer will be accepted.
7:08
